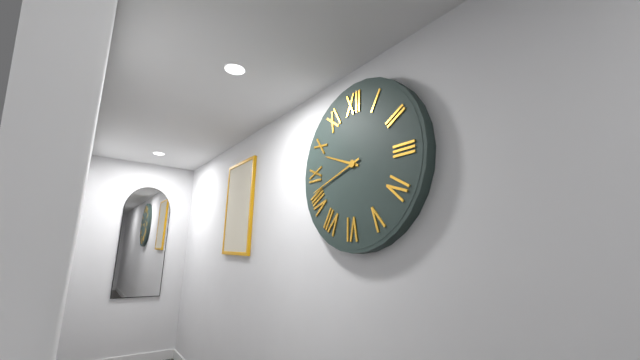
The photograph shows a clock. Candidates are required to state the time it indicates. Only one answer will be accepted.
9:42
